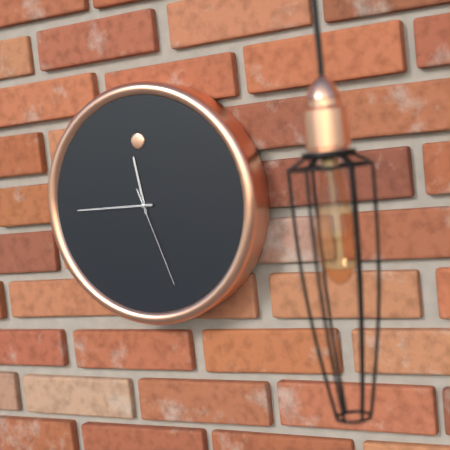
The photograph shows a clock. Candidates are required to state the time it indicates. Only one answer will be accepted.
11:45:27
